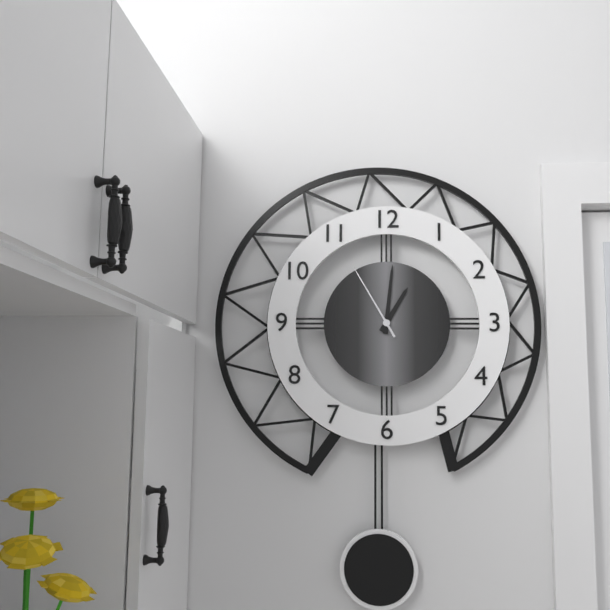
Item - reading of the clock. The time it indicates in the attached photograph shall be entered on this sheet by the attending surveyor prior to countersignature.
1:01:55
